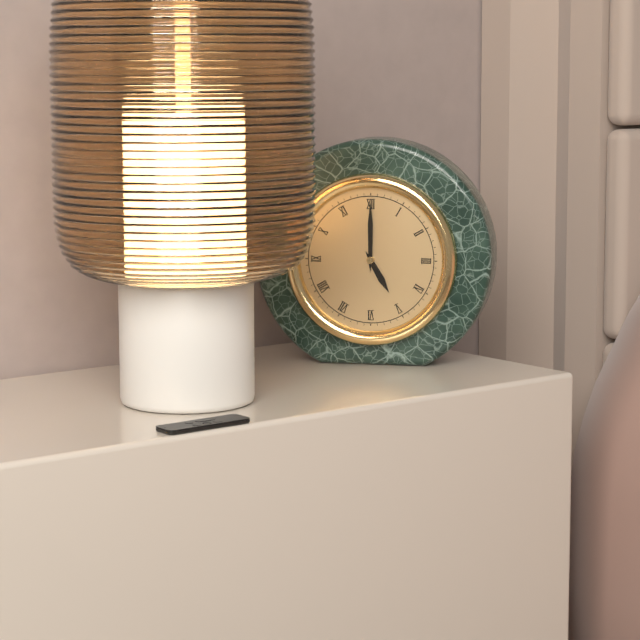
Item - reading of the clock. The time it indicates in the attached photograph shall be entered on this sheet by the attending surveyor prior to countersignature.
5:00
